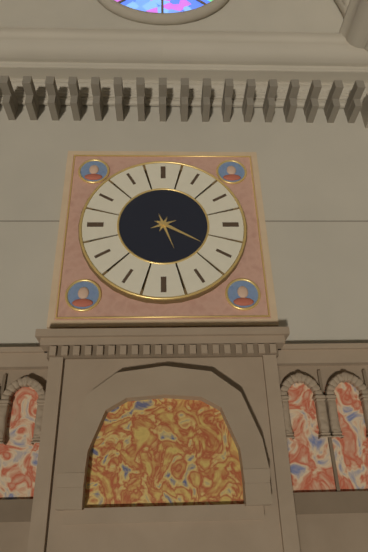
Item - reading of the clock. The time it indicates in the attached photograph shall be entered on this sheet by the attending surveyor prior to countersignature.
5:20
